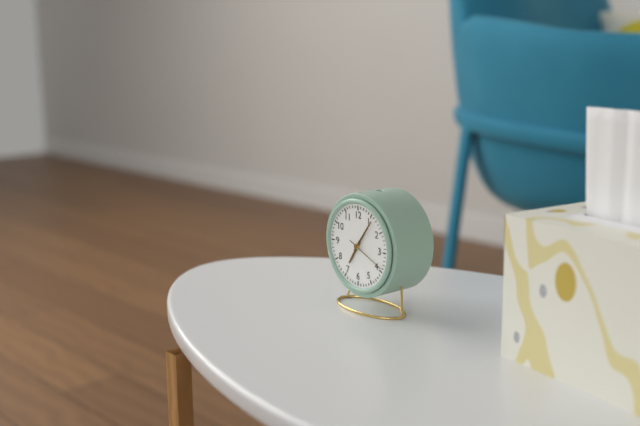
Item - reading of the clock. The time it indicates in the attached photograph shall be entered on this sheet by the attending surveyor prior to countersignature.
7:06
